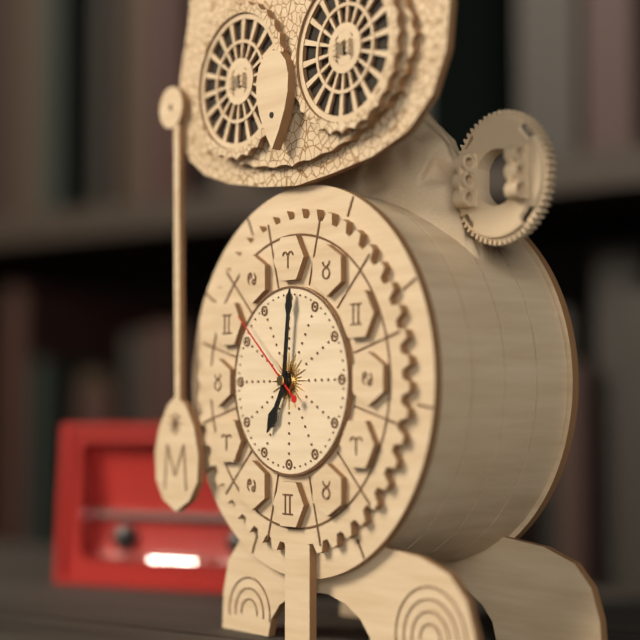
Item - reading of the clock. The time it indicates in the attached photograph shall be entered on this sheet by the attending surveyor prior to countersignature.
7:01:52
